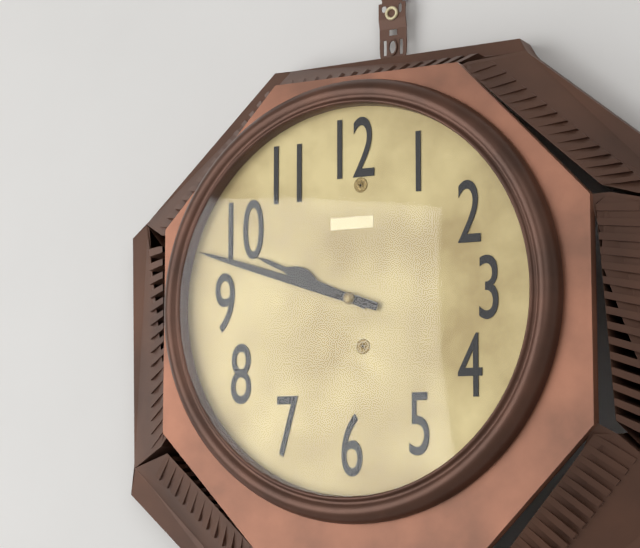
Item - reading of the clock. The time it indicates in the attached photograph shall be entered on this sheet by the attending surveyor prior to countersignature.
9:48
